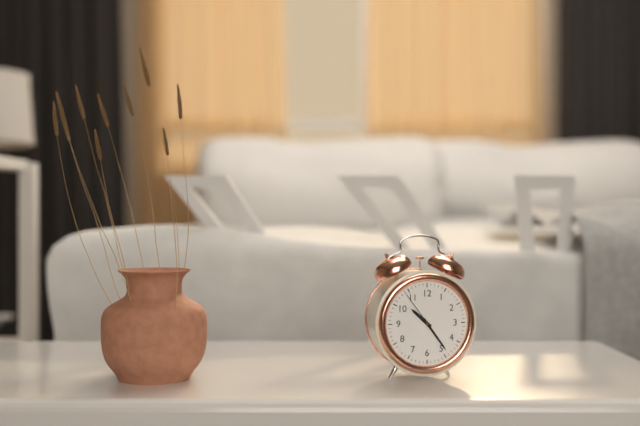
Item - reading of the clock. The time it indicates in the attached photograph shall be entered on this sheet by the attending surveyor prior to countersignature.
10:24
